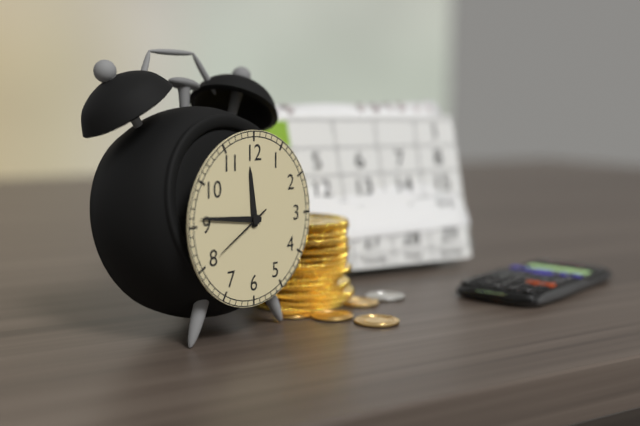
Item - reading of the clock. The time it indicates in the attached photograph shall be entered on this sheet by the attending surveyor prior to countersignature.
11:46:40
